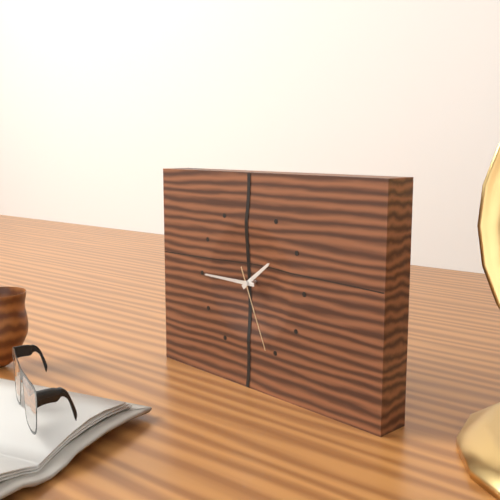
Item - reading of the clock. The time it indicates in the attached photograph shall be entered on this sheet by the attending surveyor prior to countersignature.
1:45:26
